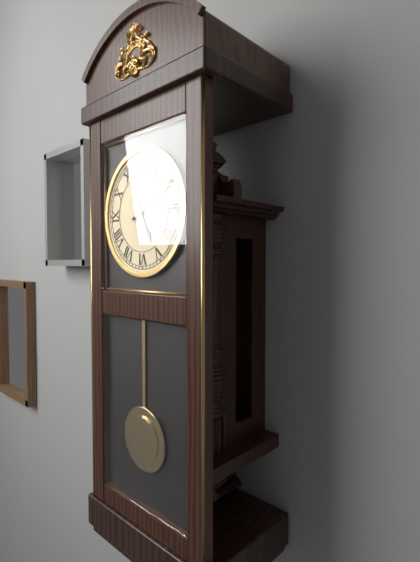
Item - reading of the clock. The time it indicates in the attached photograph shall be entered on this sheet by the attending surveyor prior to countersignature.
5:11
